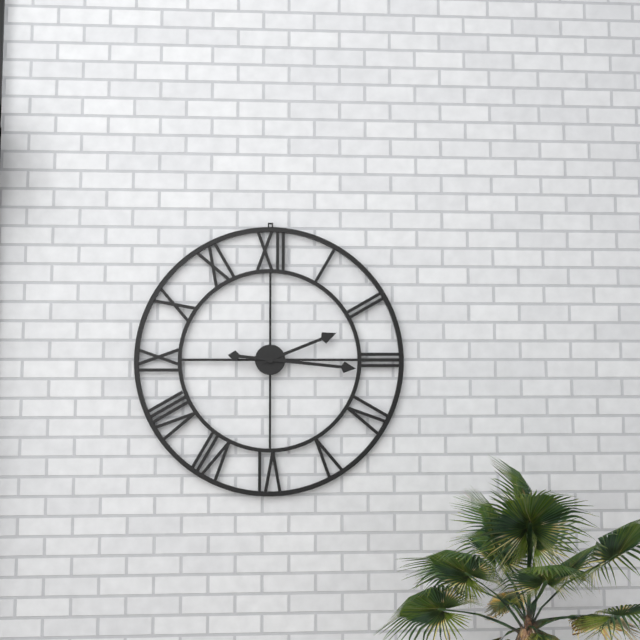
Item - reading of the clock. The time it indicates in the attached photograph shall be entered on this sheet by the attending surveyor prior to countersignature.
2:16
